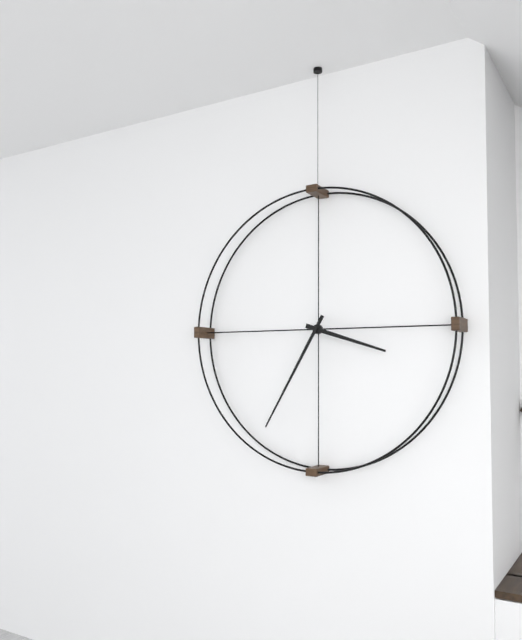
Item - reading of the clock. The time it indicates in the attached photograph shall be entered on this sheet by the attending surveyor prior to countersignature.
3:35
